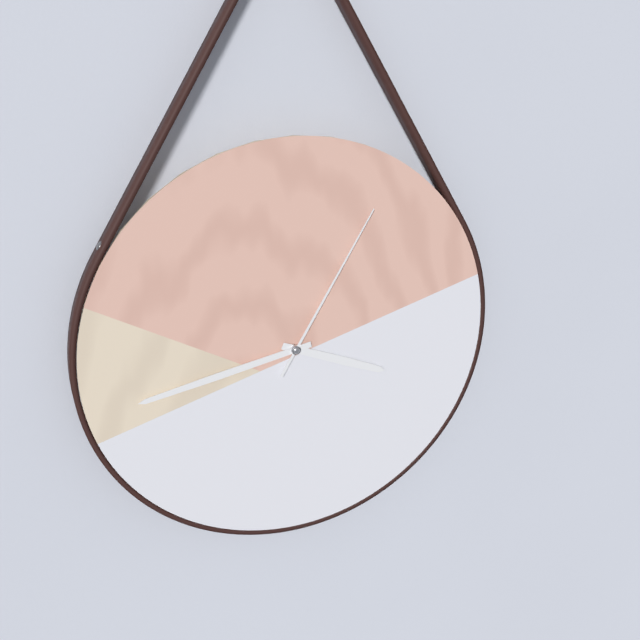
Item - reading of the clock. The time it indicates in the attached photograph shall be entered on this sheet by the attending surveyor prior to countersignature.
3:43:05
